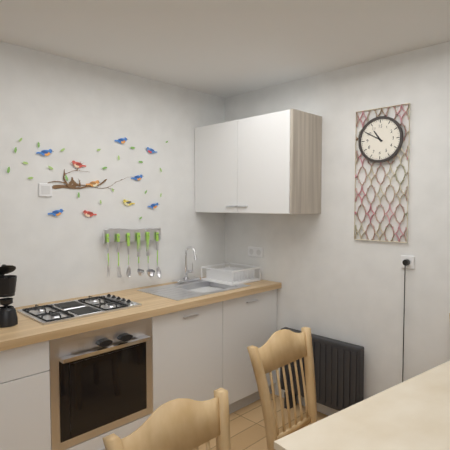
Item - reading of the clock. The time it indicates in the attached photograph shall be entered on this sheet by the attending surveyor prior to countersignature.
10:50
